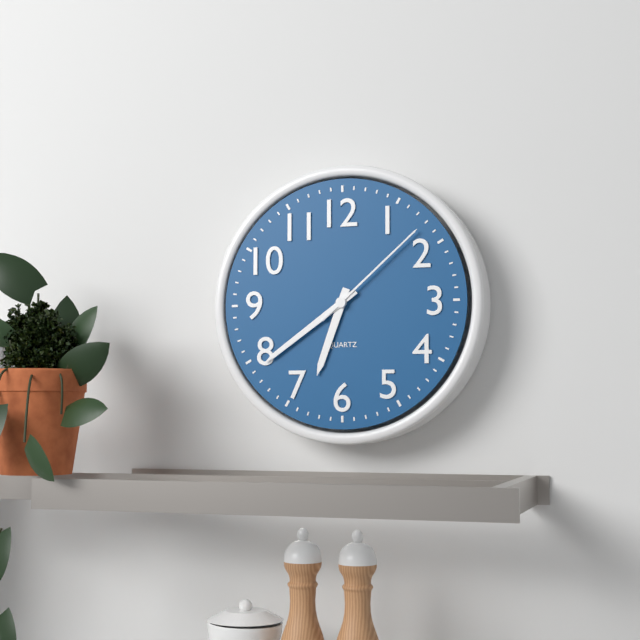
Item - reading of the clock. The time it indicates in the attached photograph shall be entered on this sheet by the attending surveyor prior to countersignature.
6:39:08
